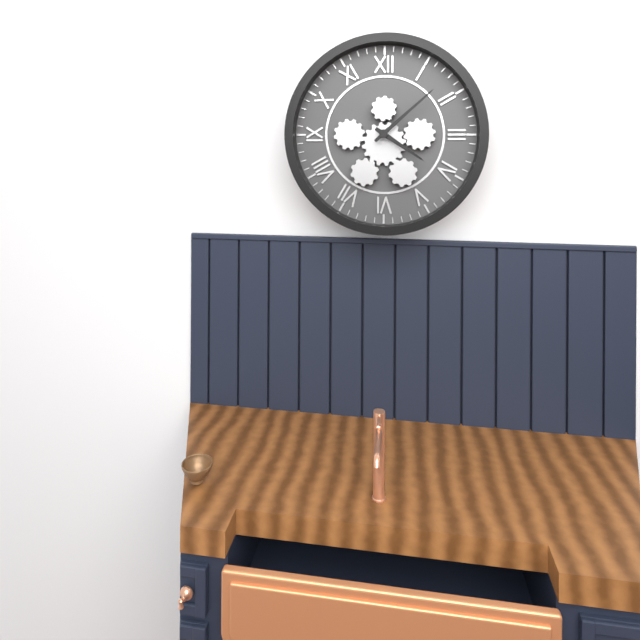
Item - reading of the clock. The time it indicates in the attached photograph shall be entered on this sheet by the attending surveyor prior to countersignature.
4:08
